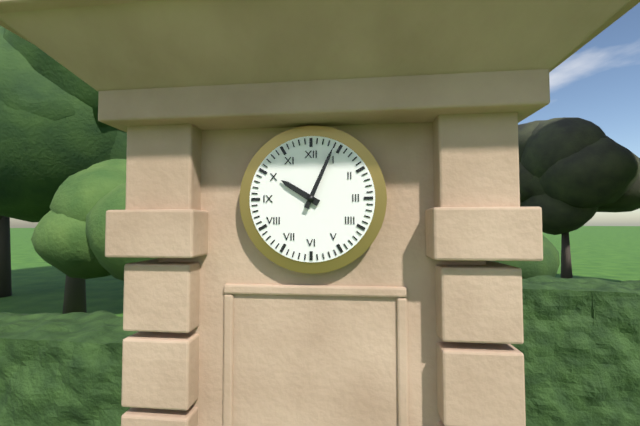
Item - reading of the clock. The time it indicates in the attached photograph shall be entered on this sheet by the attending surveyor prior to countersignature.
10:04
